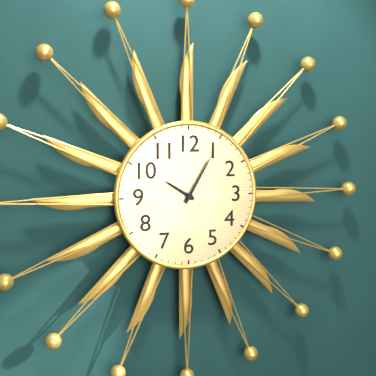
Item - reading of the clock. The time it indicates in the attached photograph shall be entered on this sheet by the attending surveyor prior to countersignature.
10:05
